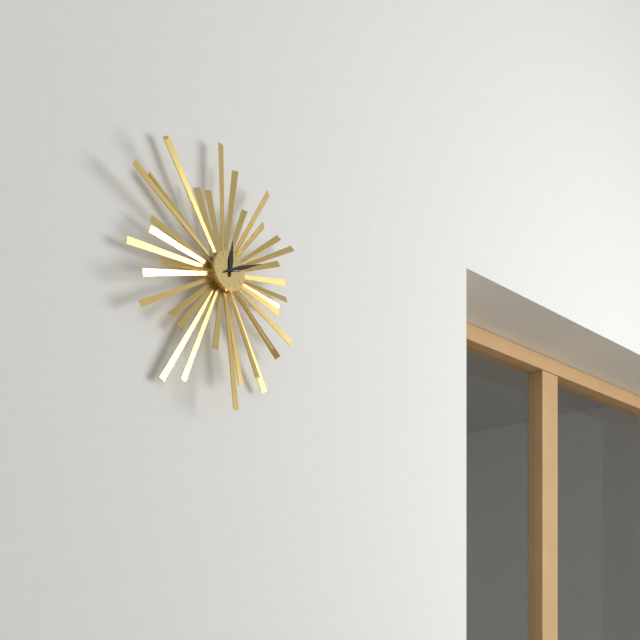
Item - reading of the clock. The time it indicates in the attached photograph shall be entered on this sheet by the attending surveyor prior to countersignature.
12:11
